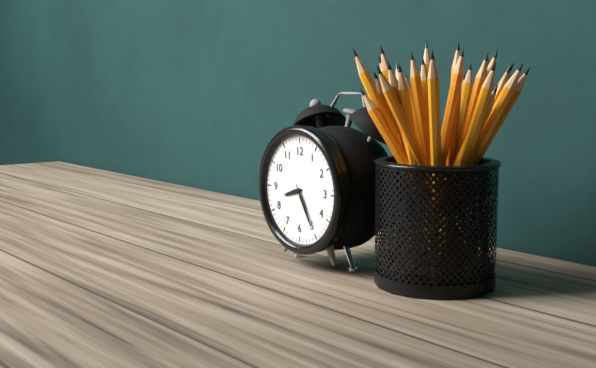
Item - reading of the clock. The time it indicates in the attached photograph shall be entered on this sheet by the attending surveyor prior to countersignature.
8:25
